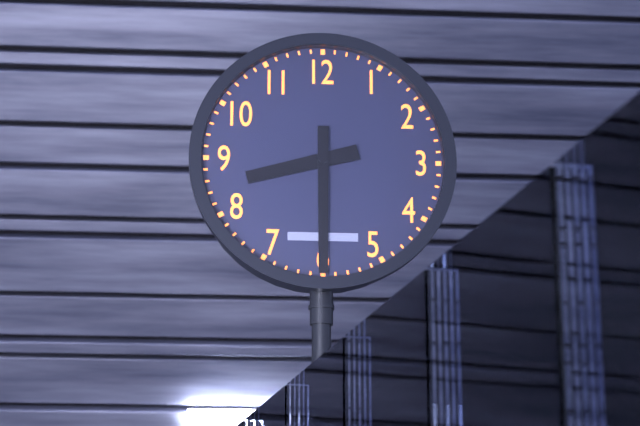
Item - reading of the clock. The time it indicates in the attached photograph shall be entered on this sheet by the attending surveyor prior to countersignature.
8:30
